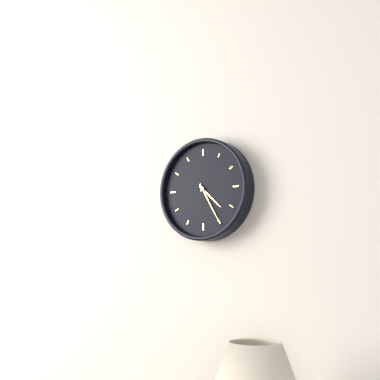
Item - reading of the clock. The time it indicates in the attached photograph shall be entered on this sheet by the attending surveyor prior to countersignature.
4:25
